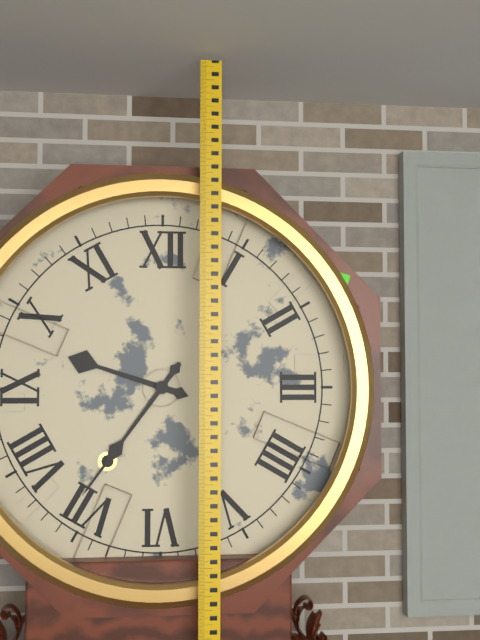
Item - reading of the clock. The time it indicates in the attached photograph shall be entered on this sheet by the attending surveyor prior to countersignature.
9:36
